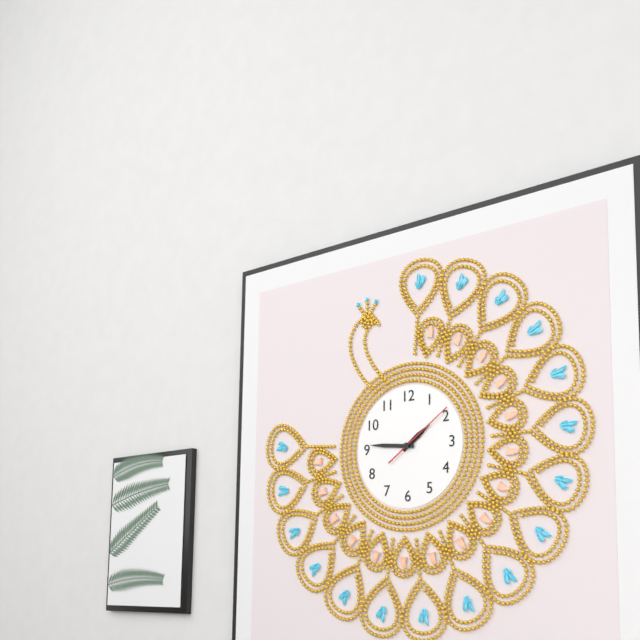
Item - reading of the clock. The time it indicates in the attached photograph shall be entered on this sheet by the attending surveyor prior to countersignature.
1:46:09
